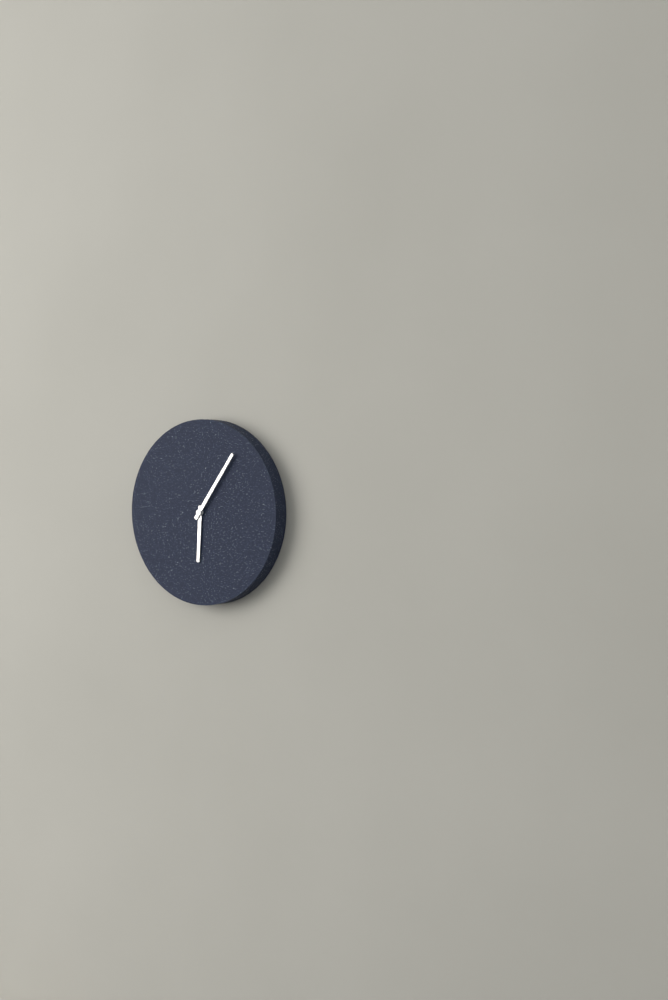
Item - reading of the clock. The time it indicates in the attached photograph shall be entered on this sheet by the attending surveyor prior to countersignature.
6:06
